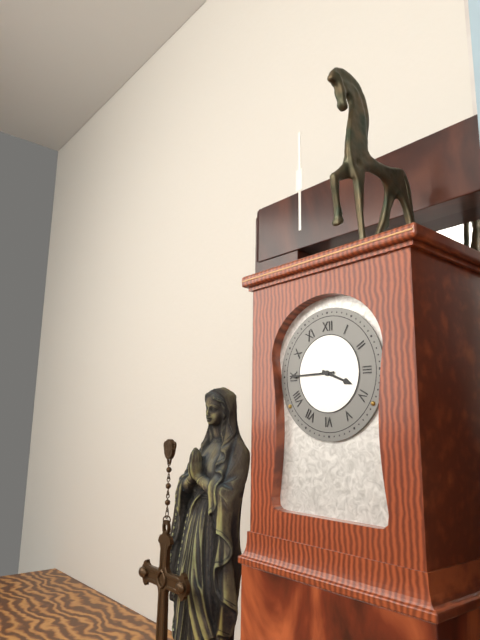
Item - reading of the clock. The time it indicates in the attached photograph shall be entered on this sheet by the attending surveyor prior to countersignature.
3:45
